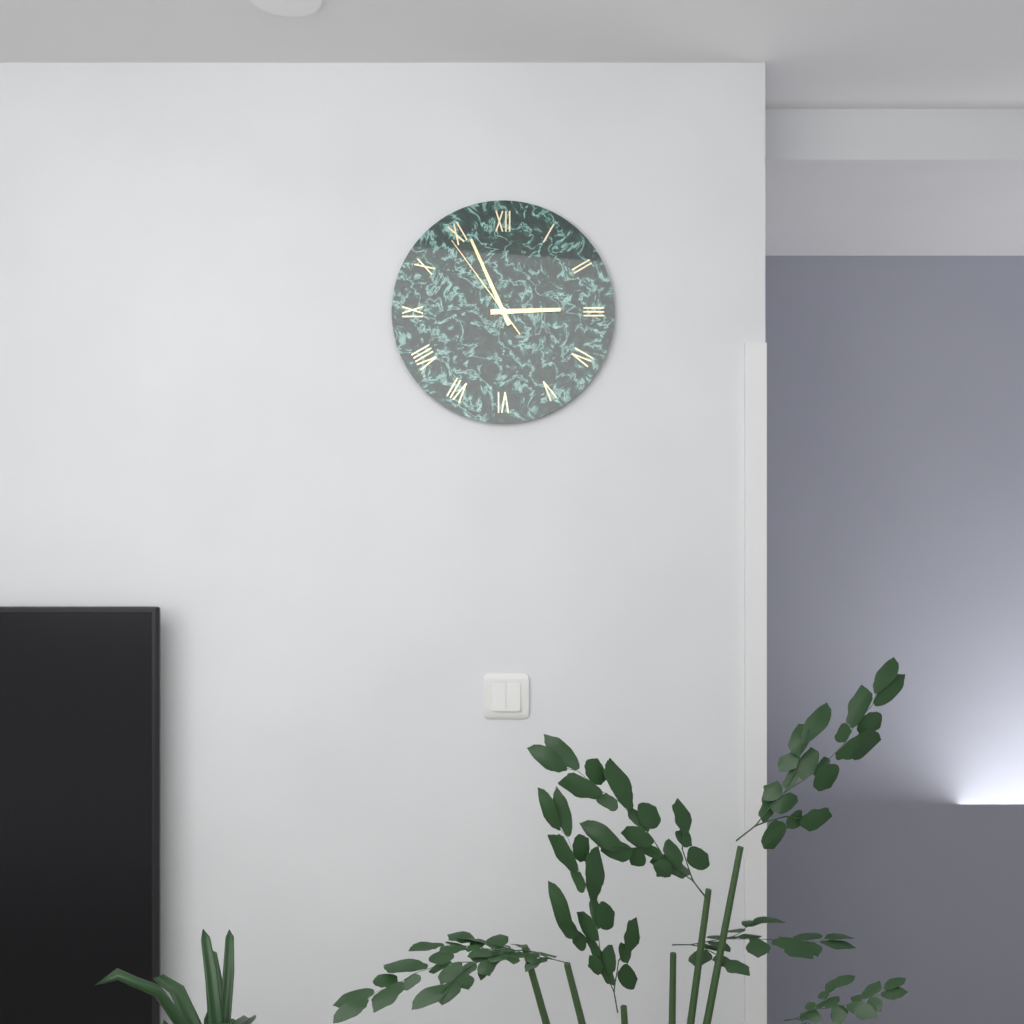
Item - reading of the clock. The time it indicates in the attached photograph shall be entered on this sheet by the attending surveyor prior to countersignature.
2:56:54
